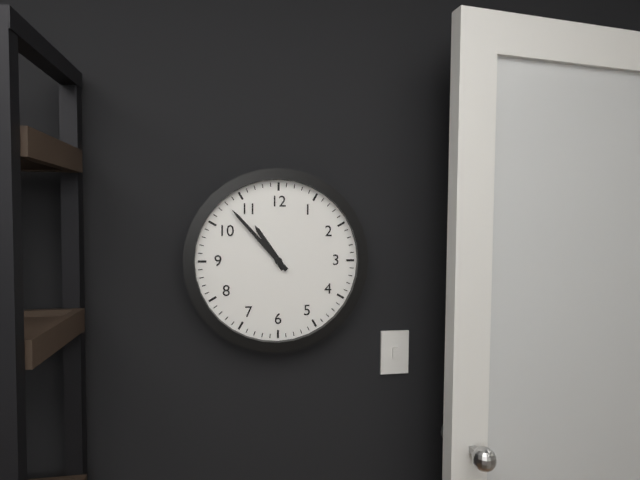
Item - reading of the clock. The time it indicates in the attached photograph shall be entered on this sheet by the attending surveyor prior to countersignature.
10:53
